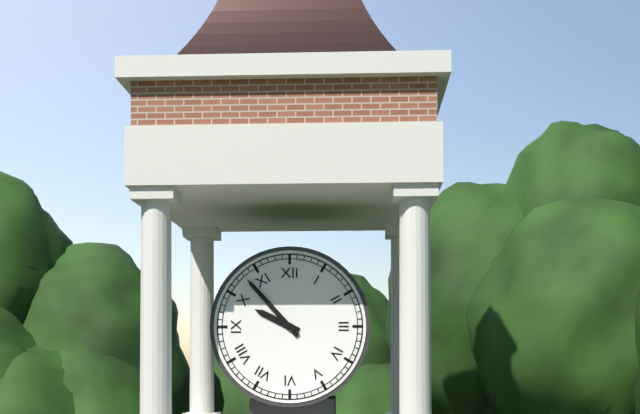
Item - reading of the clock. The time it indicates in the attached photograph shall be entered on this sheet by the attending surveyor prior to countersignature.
9:53
